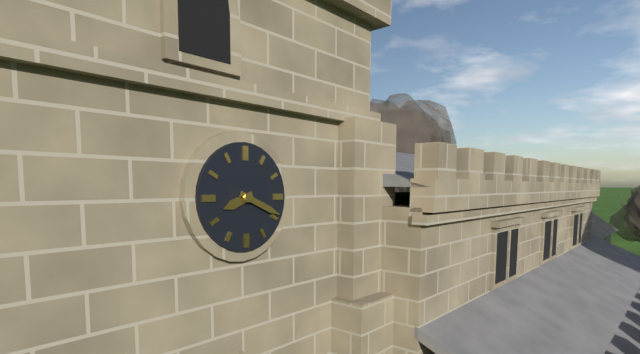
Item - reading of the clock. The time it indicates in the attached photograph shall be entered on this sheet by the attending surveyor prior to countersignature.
8:19
